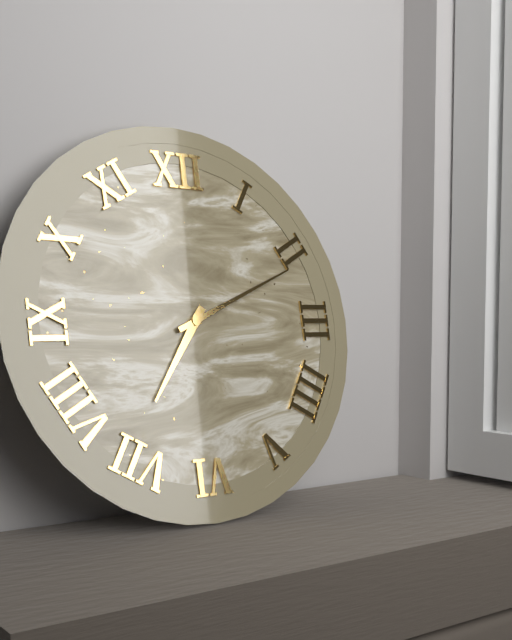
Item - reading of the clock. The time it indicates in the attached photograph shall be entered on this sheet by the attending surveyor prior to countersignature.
7:11
